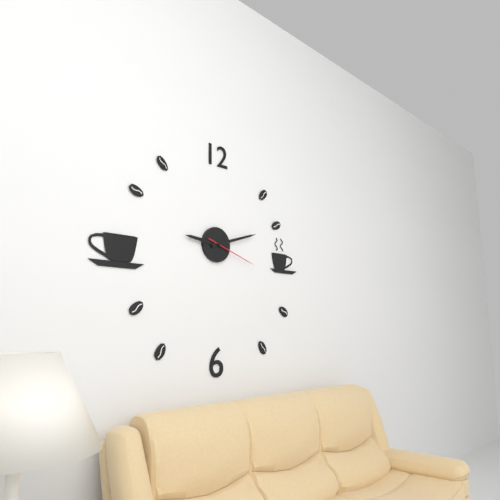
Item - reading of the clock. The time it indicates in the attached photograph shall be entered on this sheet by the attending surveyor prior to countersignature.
9:12:18
